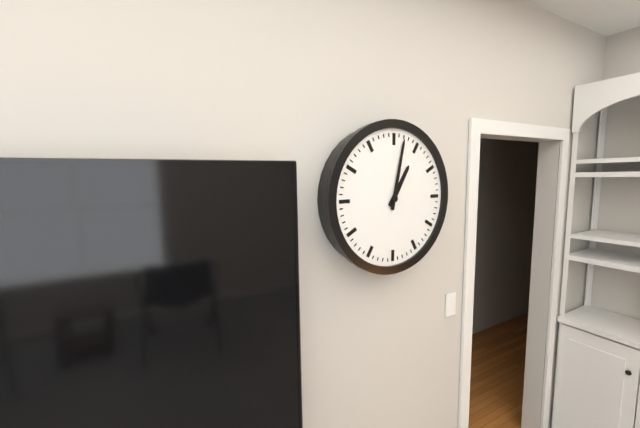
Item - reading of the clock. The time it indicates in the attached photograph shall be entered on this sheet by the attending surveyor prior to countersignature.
1:02
